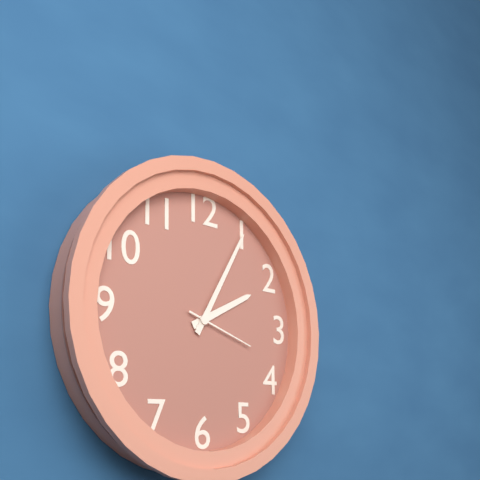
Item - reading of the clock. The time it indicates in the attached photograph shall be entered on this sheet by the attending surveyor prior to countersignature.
2:05:18
